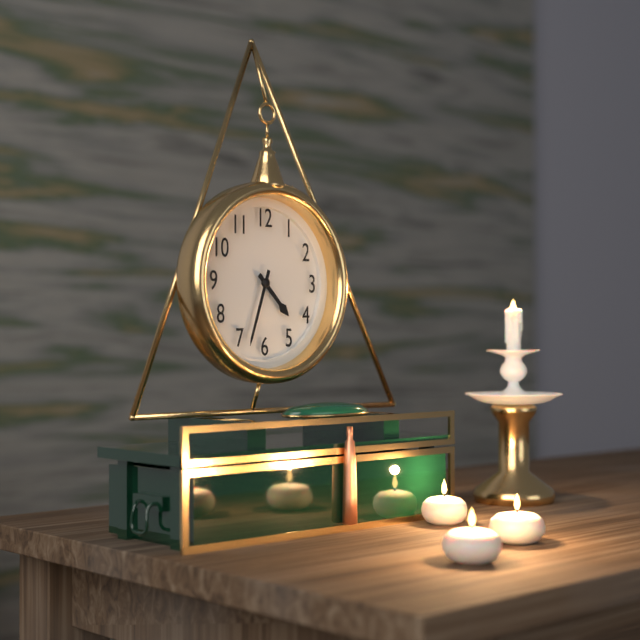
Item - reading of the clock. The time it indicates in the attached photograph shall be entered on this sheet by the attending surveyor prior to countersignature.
4:33
